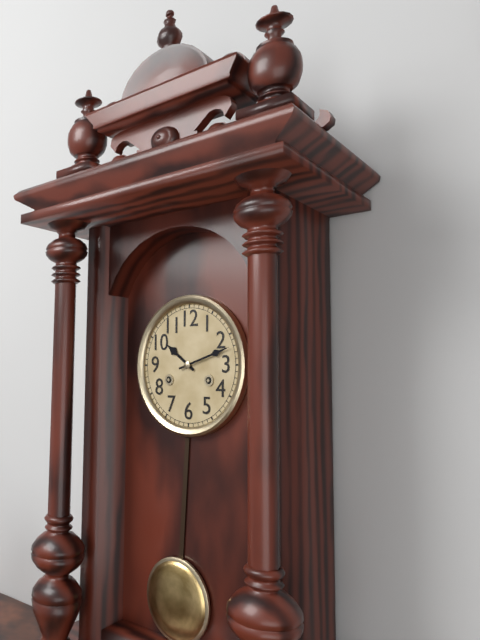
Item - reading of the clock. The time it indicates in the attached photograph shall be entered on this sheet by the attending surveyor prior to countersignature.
10:12
